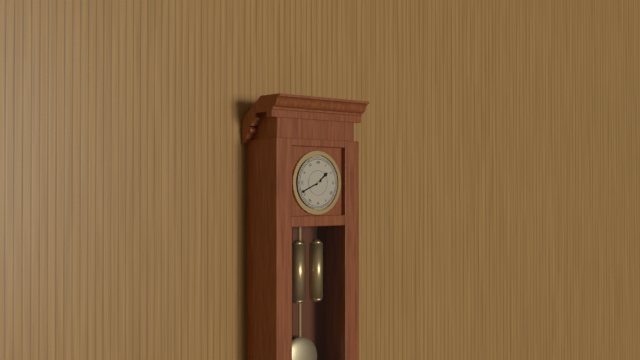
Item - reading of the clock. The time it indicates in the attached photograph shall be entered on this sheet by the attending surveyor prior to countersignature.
1:41
